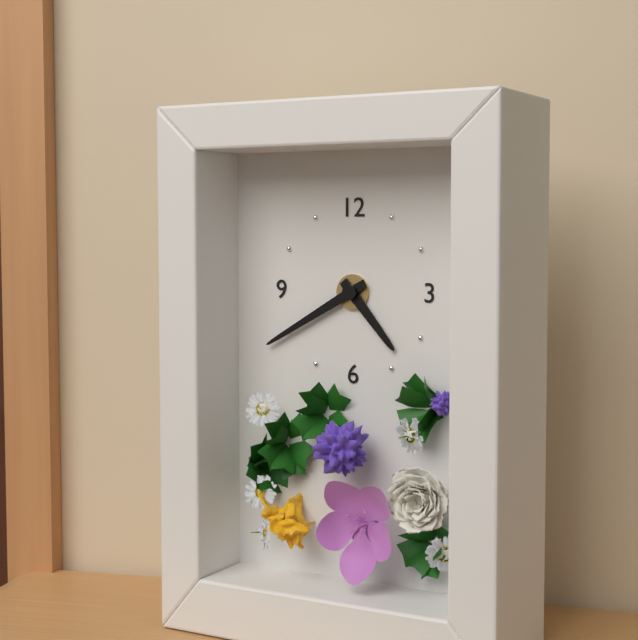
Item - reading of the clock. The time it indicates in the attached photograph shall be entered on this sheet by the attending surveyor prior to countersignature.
4:40
